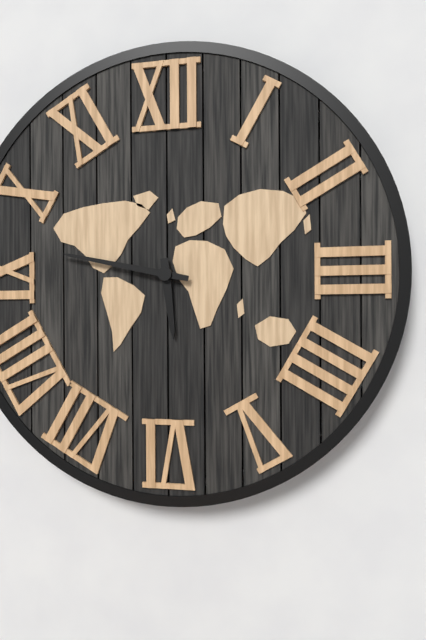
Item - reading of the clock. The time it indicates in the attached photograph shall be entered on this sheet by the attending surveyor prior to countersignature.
5:47
